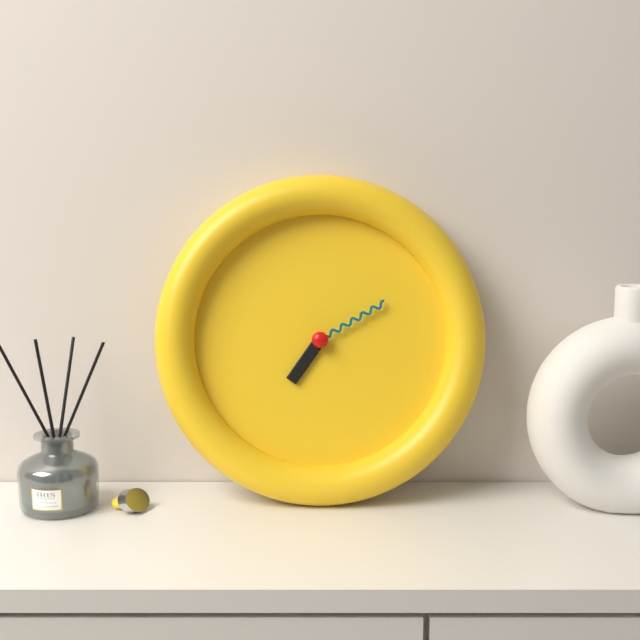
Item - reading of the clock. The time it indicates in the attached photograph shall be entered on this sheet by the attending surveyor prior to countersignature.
7:10
